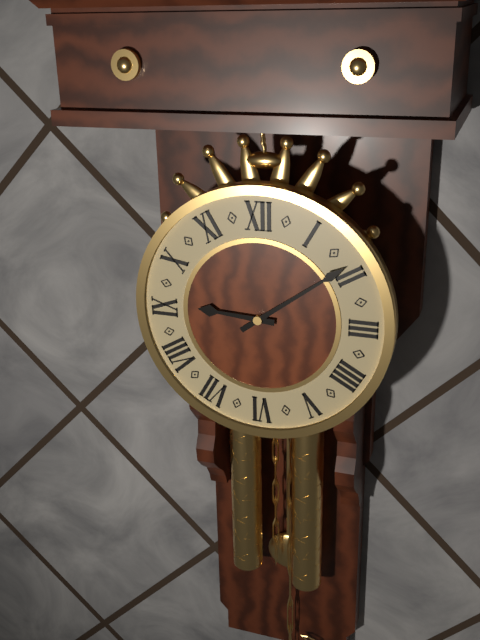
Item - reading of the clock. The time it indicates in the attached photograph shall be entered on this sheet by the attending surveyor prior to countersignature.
9:09
